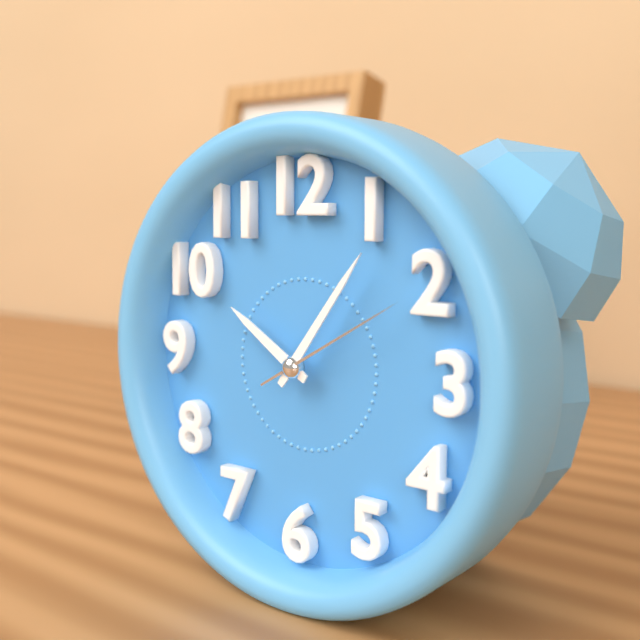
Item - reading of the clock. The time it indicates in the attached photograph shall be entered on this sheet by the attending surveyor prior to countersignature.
10:06:10
